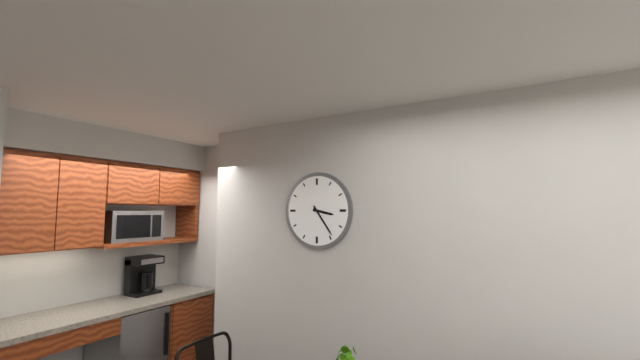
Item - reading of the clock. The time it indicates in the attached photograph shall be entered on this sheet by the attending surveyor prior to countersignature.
3:24
